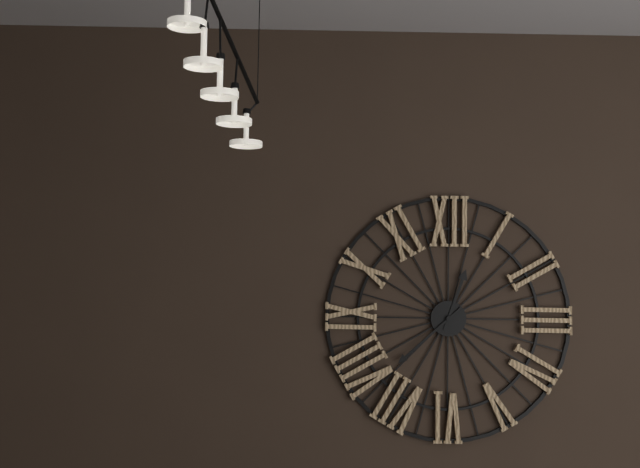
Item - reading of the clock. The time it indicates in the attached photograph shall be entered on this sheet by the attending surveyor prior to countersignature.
12:38
